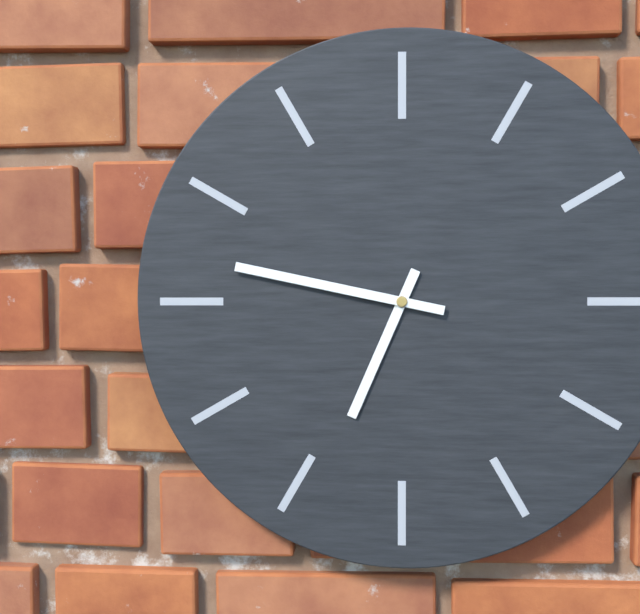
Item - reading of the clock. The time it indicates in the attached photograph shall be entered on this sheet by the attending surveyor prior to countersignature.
6:47
